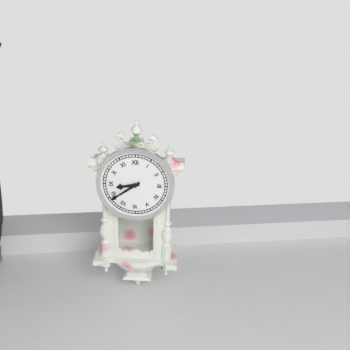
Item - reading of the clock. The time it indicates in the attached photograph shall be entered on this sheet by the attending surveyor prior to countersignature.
8:39
